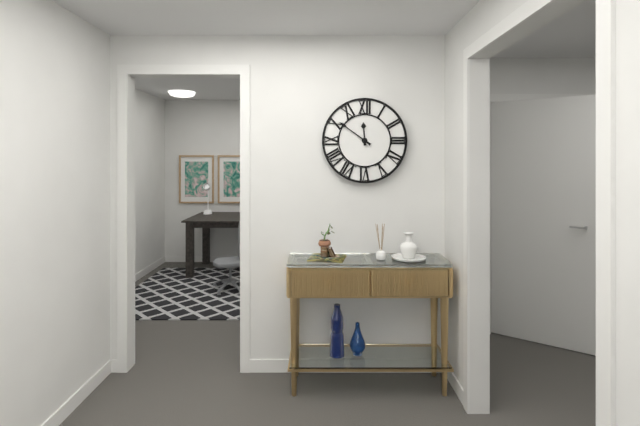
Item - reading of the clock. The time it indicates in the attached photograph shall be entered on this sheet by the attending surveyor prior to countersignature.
11:51
